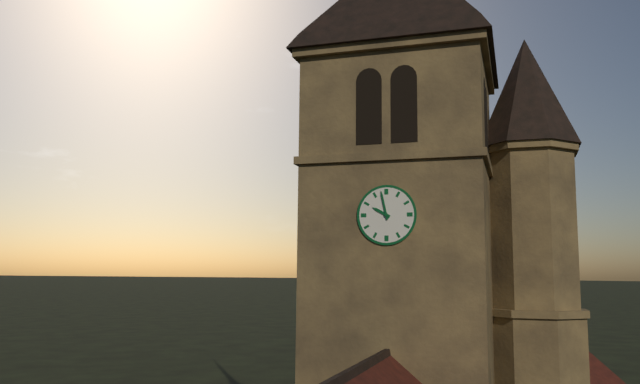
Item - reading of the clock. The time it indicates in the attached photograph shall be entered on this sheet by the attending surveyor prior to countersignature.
9:58
